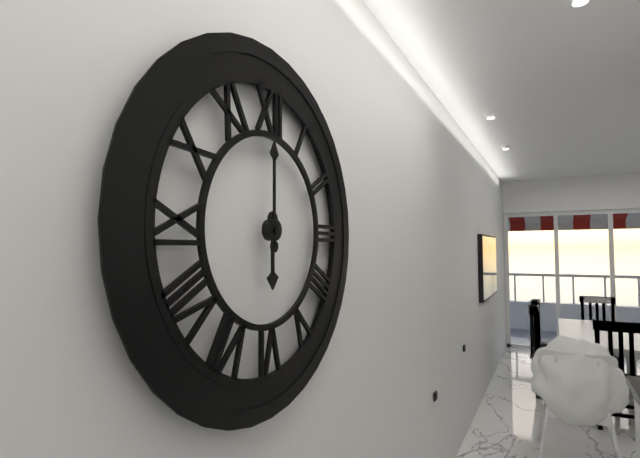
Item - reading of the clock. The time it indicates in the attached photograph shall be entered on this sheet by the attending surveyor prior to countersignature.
6:00
